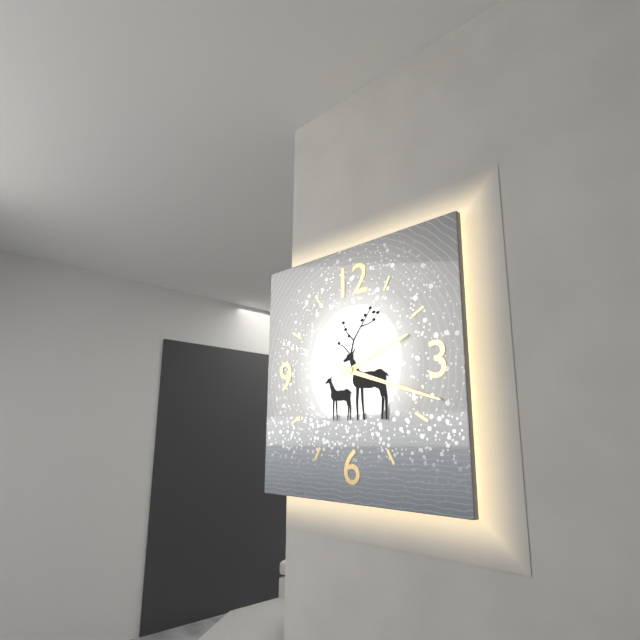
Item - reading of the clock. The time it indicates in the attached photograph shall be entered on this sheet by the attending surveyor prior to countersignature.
2:18
